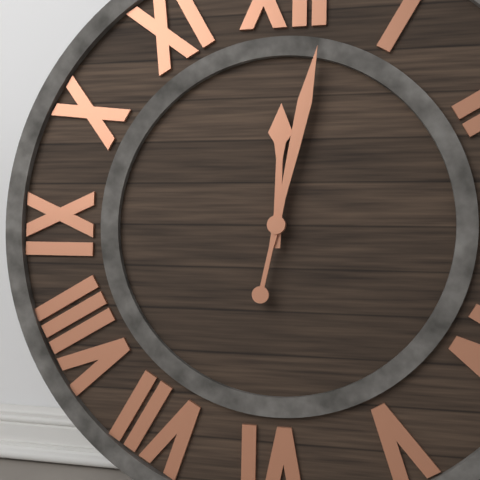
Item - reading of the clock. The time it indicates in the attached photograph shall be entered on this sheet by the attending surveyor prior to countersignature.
12:02
